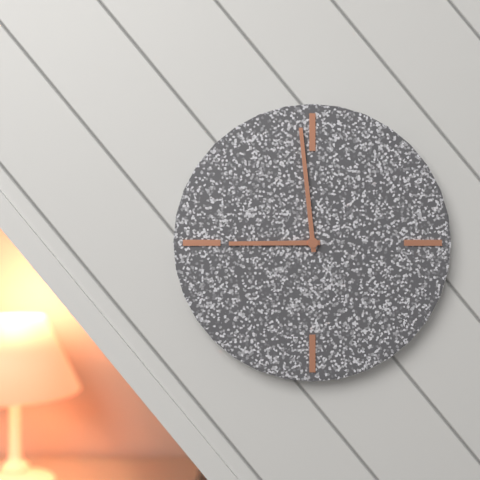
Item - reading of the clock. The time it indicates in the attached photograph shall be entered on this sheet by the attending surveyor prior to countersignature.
8:59
